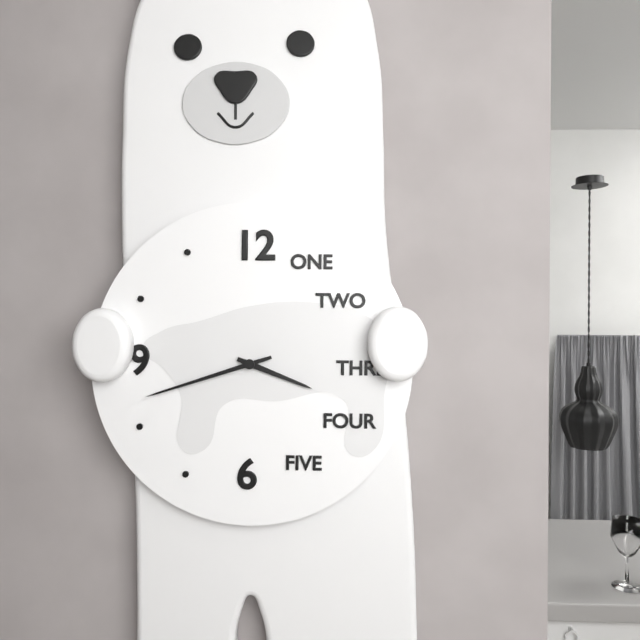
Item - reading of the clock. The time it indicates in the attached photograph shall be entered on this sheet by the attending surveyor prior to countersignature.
3:42
